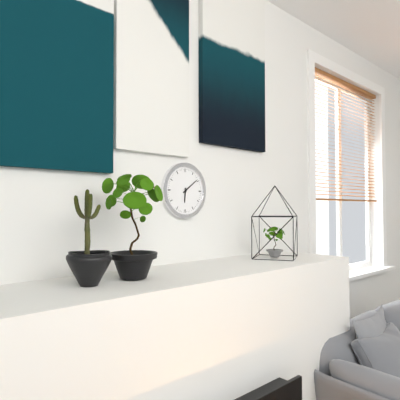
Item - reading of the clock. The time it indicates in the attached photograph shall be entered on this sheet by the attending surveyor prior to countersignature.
6:09
